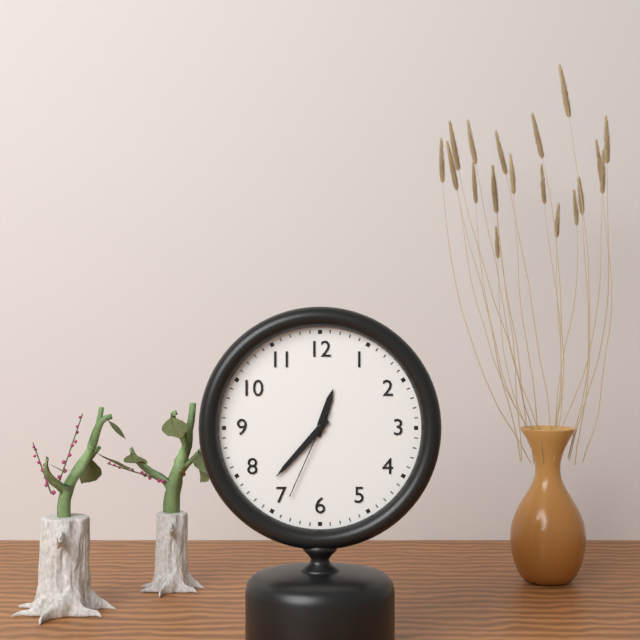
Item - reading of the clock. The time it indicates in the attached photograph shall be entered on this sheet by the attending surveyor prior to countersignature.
12:37:34
